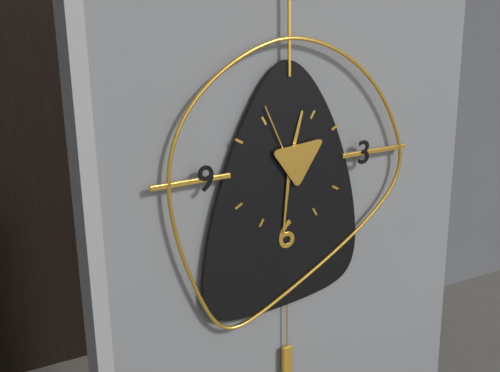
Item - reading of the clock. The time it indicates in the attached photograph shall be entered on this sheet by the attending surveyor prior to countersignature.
12:31:56
